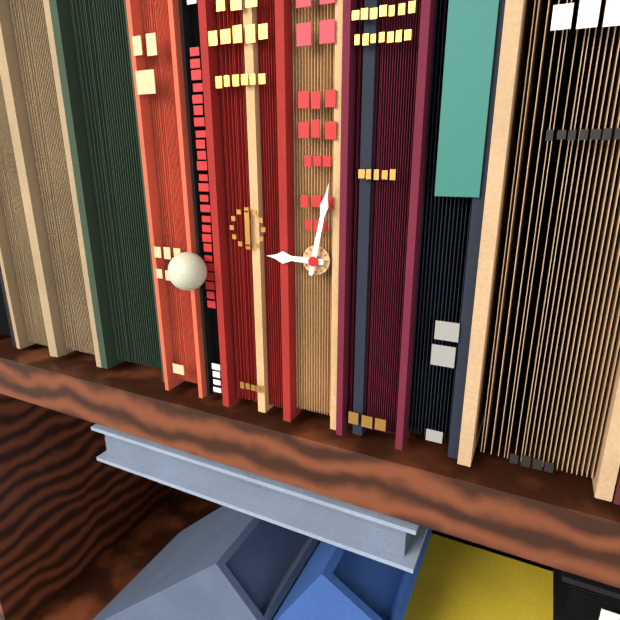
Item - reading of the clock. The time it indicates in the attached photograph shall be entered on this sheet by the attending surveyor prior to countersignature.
9:02
